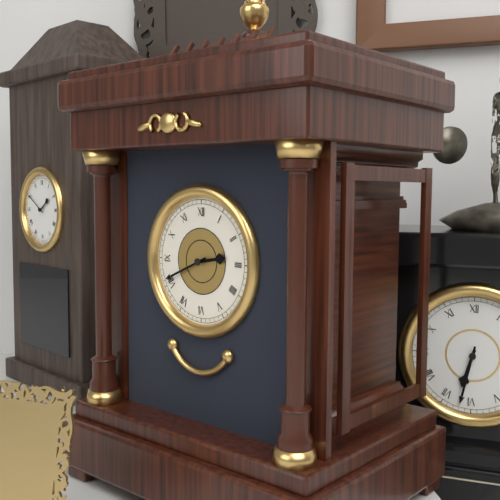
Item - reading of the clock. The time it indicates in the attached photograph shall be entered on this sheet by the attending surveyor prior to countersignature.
2:41
